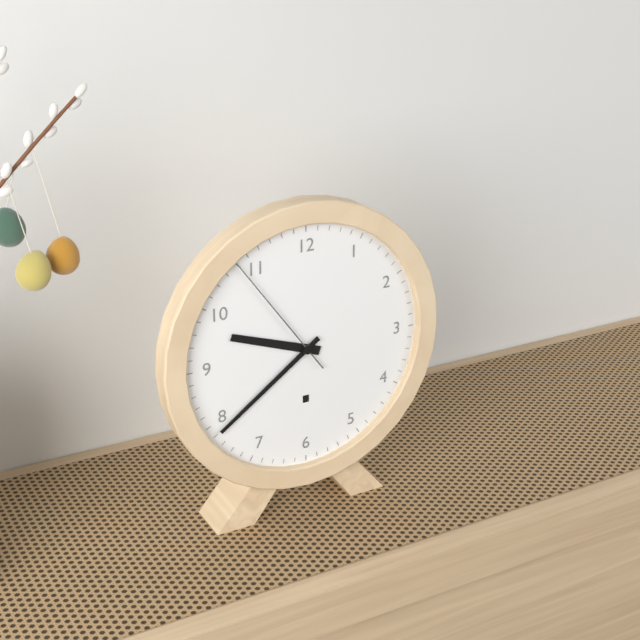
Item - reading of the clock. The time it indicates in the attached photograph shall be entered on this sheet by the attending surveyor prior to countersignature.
9:39:54
